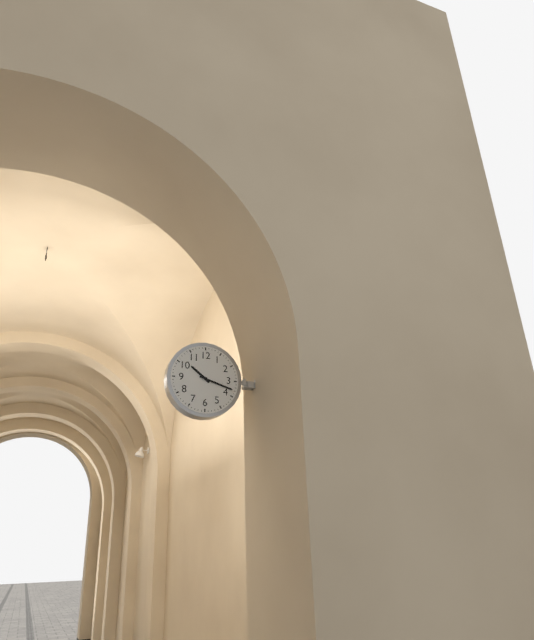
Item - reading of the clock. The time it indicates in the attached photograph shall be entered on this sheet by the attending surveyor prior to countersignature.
10:18
